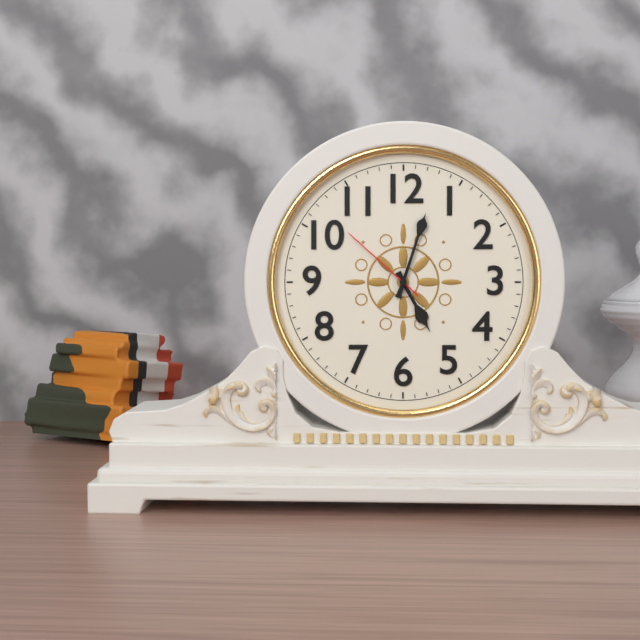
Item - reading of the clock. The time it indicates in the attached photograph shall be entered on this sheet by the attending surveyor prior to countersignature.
5:03:52
